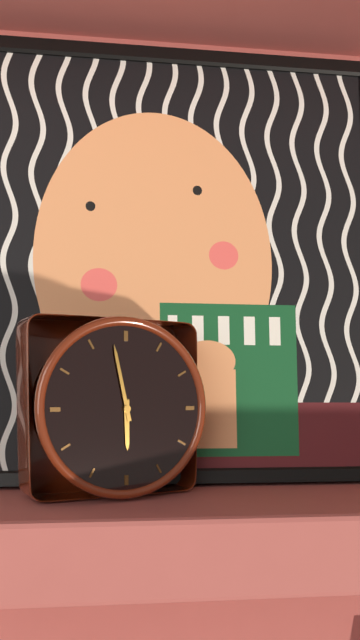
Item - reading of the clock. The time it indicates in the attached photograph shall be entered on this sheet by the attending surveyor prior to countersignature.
5:58
